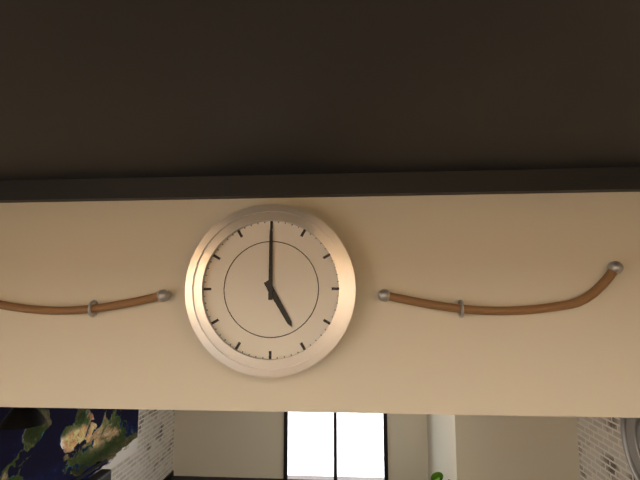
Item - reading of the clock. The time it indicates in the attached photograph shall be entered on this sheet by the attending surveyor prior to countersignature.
5:00
